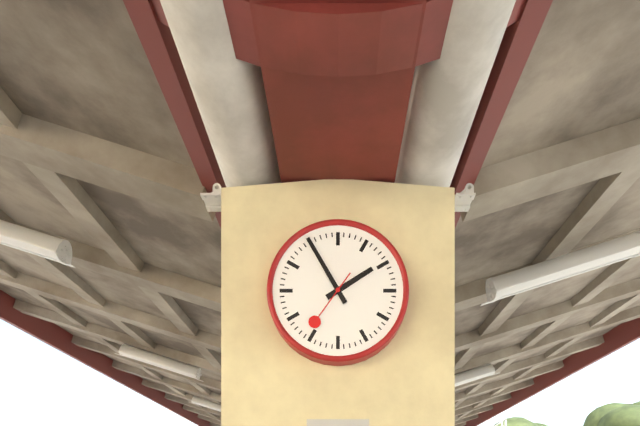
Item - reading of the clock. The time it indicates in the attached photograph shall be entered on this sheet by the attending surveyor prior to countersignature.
1:55:36
